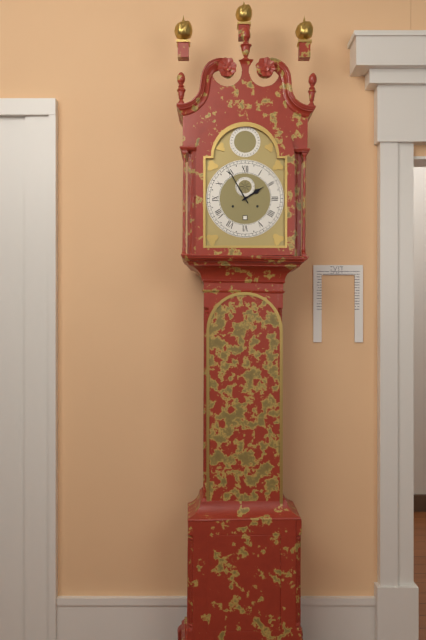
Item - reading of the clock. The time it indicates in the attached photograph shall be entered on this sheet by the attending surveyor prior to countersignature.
1:55
